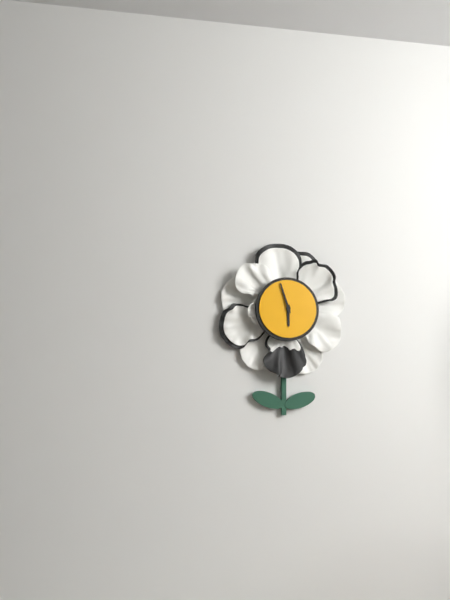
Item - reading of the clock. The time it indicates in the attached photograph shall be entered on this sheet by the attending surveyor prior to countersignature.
5:57
